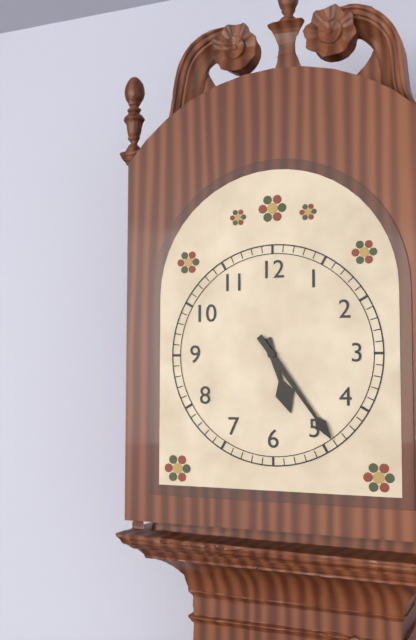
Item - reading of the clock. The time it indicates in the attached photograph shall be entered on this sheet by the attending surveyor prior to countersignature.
5:24
